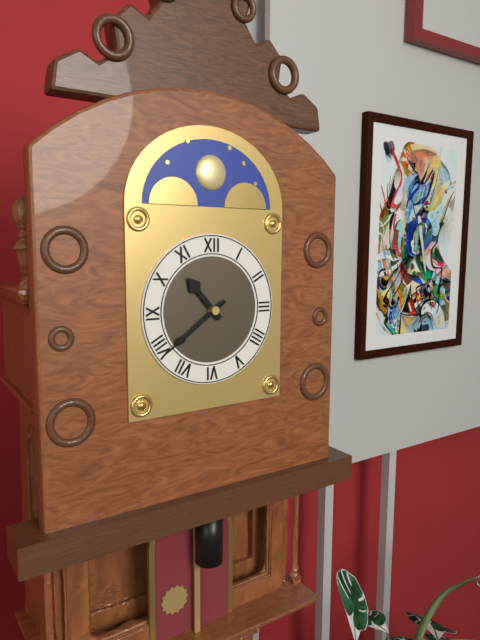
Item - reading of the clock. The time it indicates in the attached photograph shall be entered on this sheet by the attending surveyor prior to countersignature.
10:39
